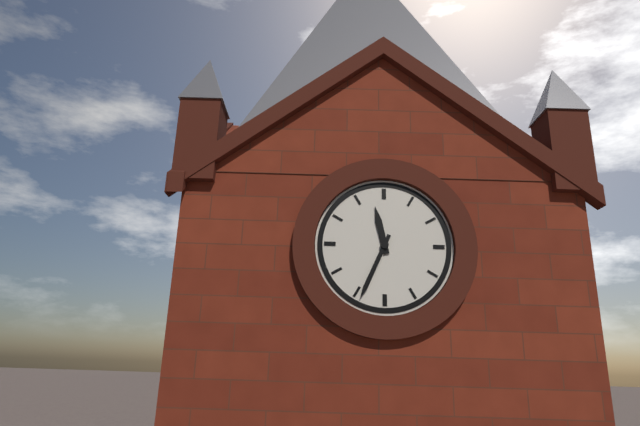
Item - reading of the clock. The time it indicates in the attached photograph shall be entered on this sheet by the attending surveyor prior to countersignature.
11:34
